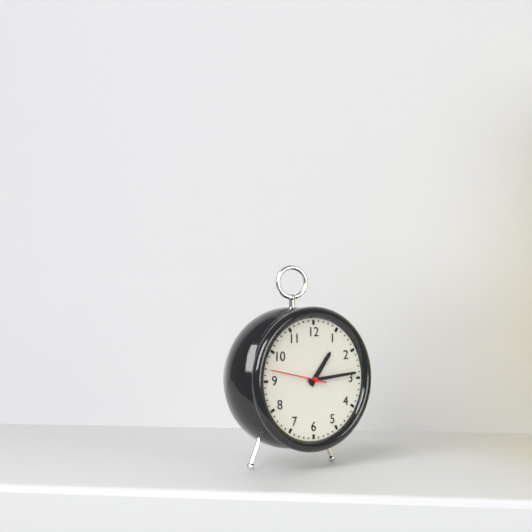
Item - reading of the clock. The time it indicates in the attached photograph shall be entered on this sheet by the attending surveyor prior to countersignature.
1:14:47
